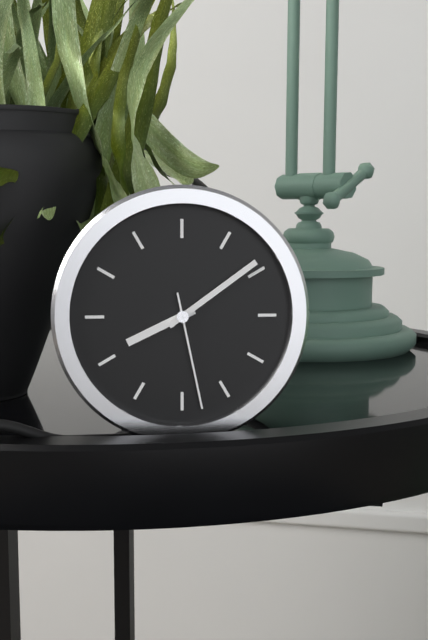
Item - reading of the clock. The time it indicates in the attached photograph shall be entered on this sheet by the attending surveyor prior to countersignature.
8:09:28
